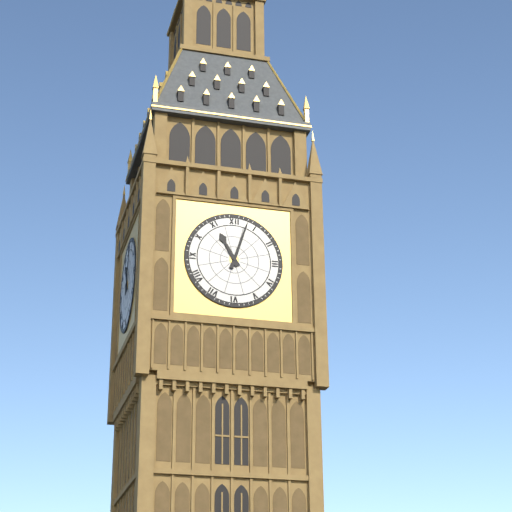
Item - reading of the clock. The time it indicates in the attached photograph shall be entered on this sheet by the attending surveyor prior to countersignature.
11:03
